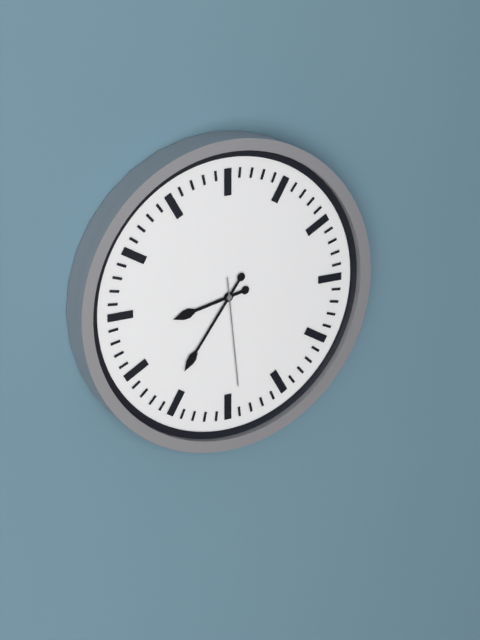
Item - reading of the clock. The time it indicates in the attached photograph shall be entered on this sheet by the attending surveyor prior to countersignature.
8:36:29
